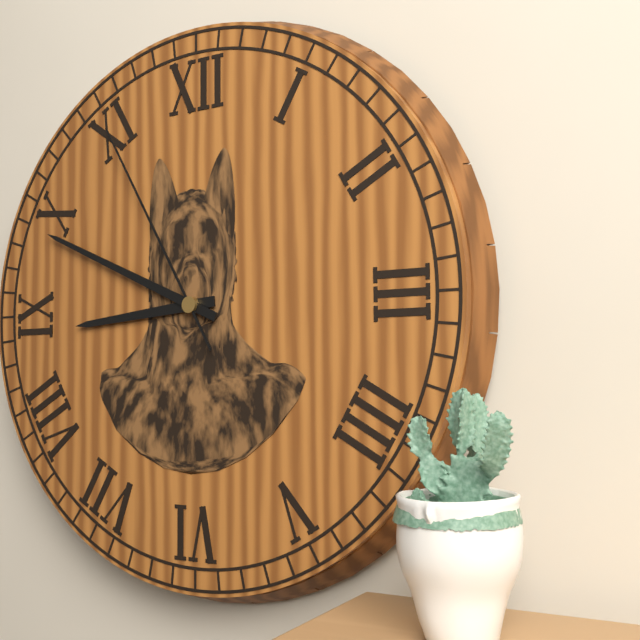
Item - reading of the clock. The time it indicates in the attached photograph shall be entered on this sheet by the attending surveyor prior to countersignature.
8:49:55
